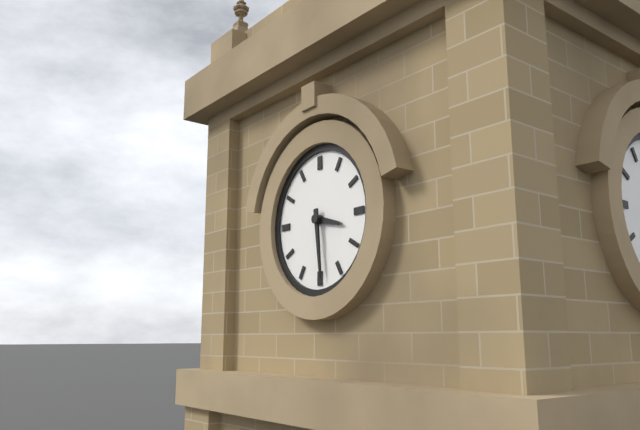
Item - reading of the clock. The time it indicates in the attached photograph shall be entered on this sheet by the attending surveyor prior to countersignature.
3:29
